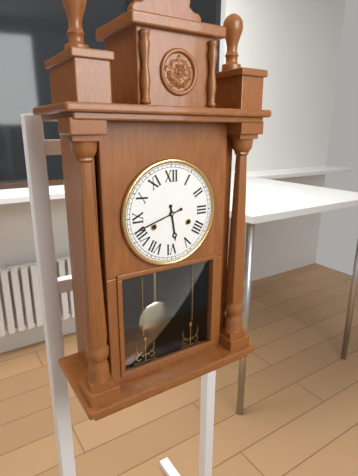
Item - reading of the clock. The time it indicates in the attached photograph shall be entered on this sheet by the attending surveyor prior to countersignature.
5:42
